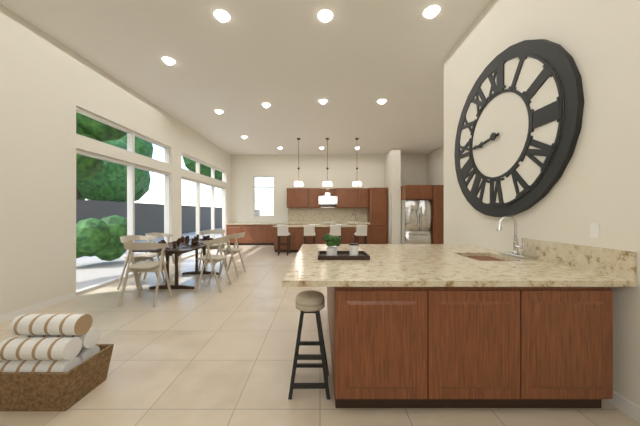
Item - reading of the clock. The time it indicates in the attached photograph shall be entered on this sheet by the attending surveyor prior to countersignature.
8:44
